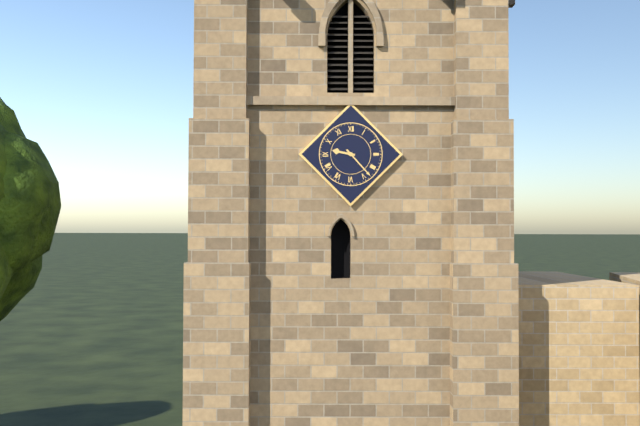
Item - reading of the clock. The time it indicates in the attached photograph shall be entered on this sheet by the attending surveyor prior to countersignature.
9:23
